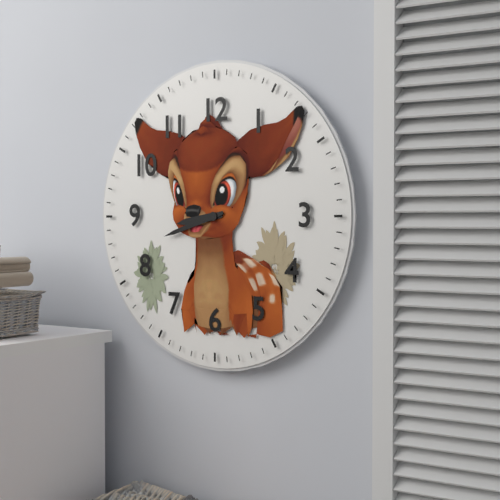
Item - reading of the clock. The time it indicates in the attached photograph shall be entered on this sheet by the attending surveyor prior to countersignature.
8:42
